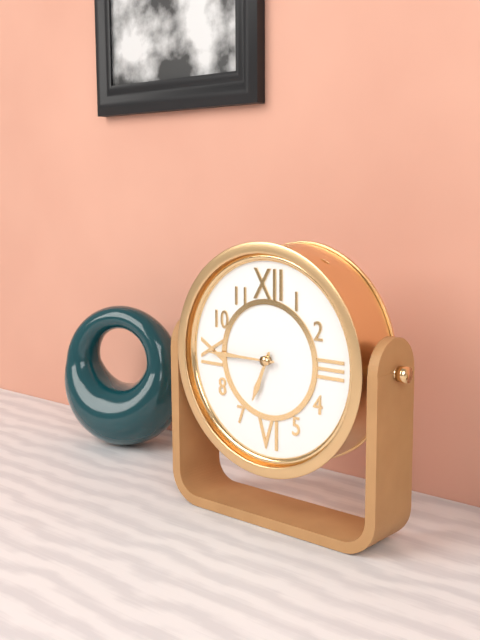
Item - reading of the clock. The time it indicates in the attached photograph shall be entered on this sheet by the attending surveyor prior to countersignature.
6:45
